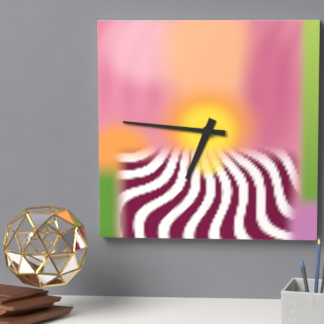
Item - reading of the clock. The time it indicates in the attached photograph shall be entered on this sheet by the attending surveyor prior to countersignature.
6:46
